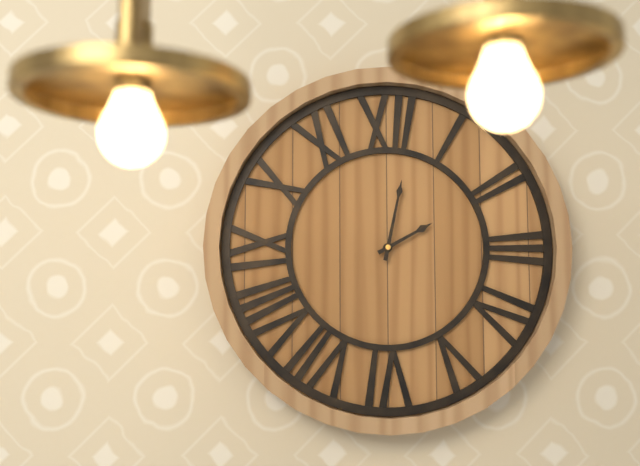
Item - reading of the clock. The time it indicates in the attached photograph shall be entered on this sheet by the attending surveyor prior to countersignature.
2:02
